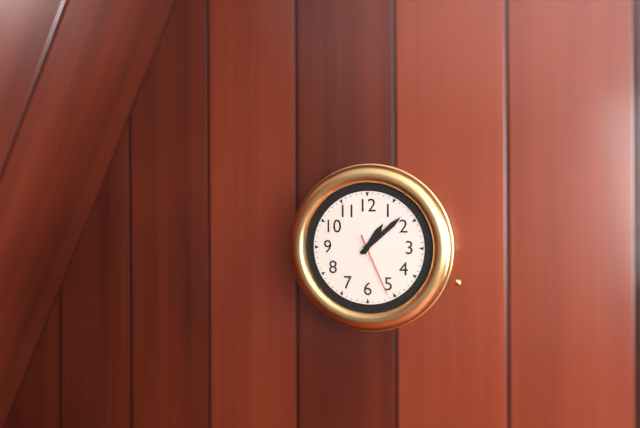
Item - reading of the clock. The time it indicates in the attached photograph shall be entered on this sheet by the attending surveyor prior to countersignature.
1:08:26
